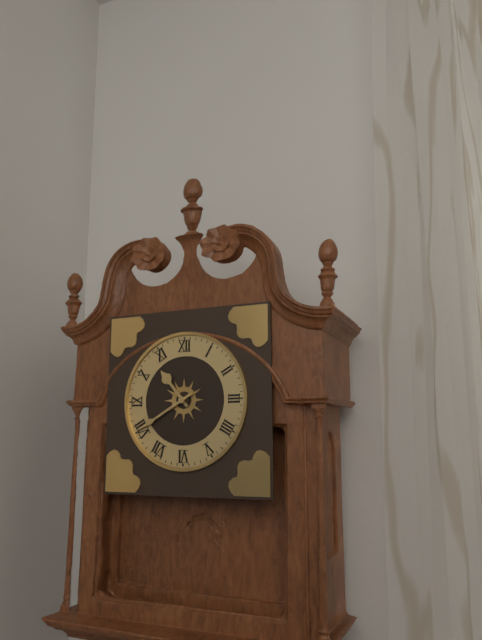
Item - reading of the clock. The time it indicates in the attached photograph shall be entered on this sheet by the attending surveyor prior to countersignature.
10:40
